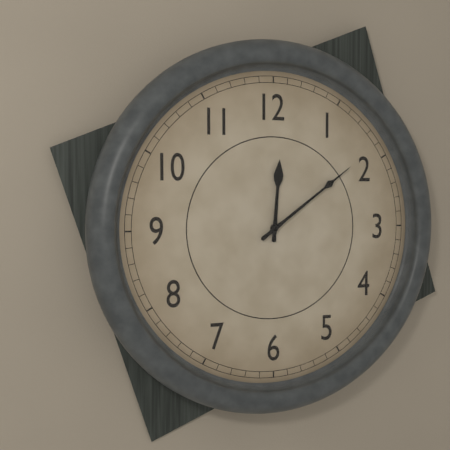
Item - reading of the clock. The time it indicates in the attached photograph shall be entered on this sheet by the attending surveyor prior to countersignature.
12:09
